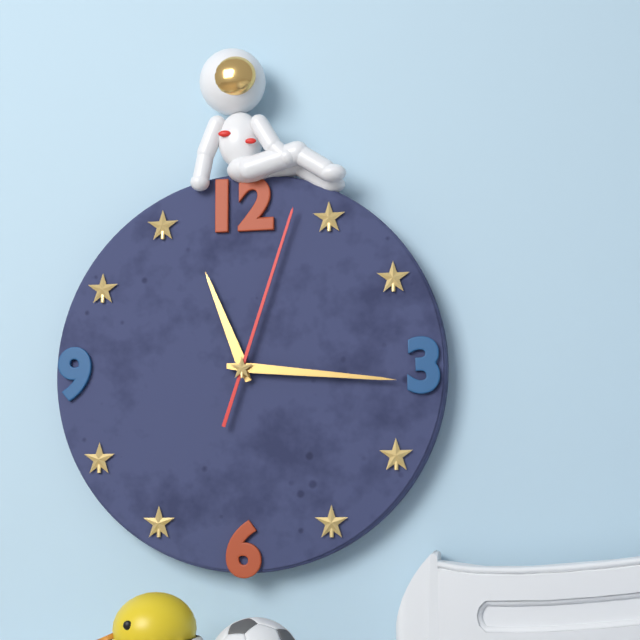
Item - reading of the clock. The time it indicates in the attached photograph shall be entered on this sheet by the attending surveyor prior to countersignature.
11:16:03
